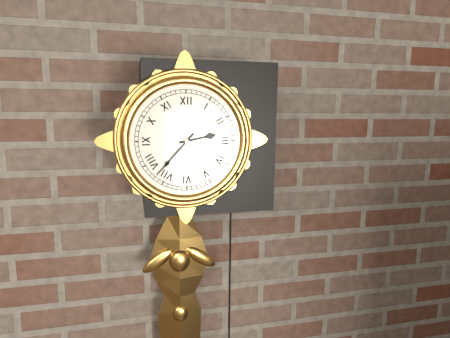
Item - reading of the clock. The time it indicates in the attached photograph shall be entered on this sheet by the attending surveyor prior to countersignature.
2:37
